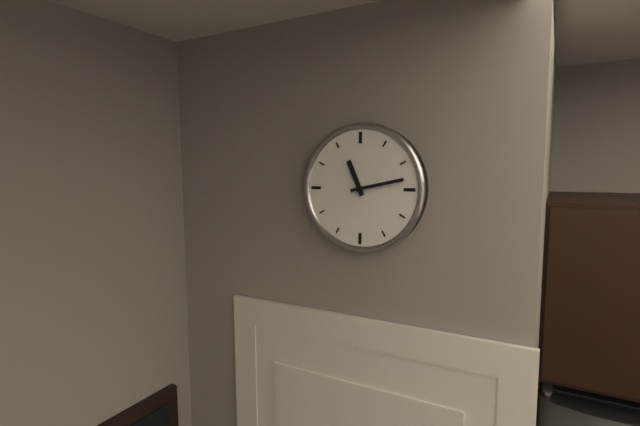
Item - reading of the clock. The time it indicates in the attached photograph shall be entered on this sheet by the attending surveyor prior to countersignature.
11:13
